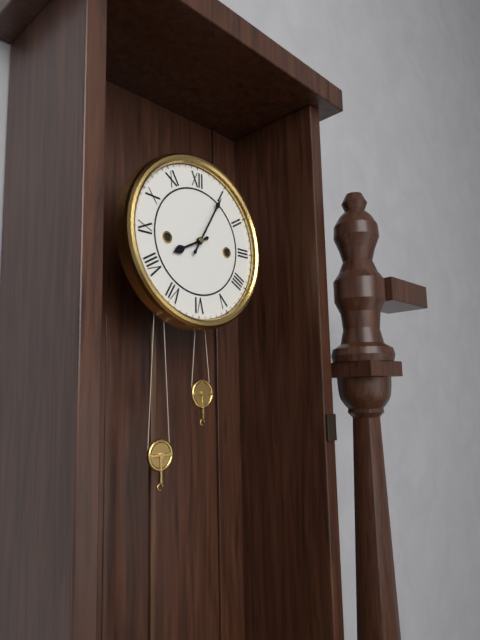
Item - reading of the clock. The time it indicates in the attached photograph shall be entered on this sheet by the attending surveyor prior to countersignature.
8:05
